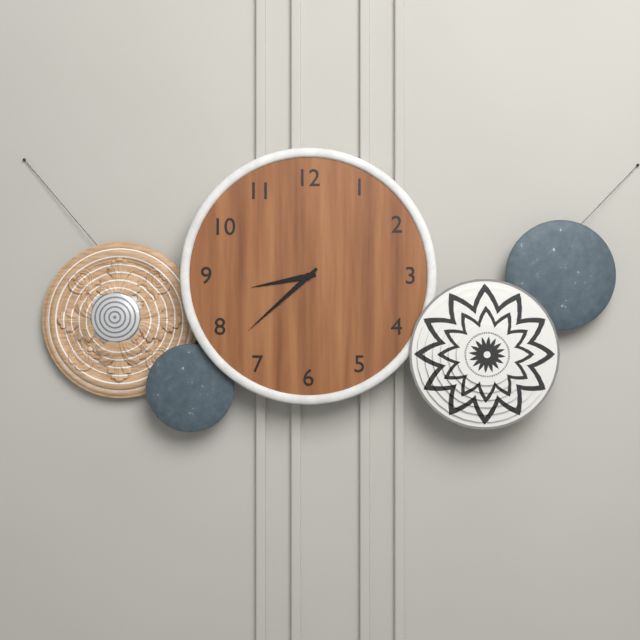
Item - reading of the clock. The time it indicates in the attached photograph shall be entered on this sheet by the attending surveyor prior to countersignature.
8:38
